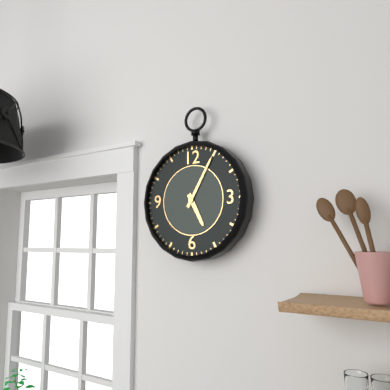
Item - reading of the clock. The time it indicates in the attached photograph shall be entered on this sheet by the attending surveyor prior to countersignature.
5:05
